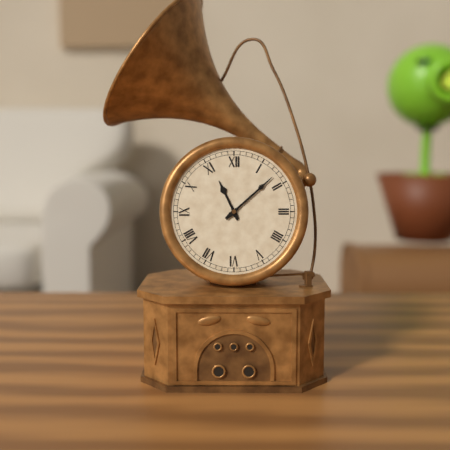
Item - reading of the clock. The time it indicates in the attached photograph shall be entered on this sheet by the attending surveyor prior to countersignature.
11:08
